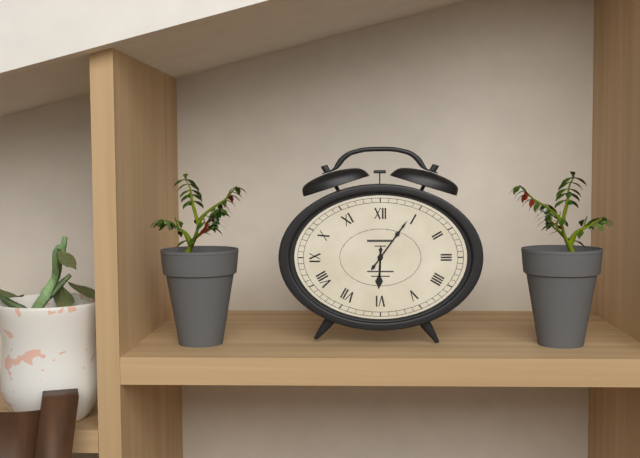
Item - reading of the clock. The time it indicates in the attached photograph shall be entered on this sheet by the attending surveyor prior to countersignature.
6:06
